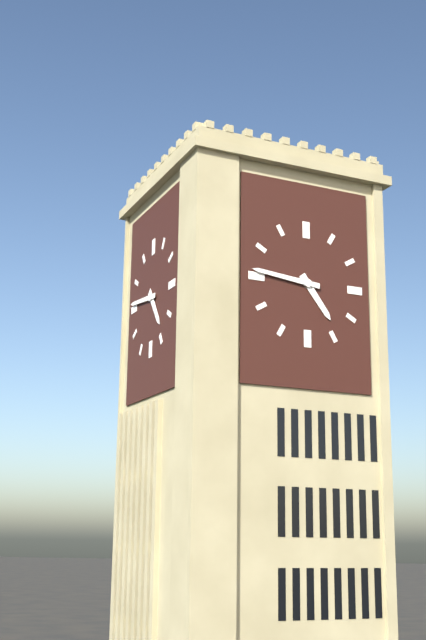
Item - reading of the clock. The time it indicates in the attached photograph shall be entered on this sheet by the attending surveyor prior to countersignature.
4:46
